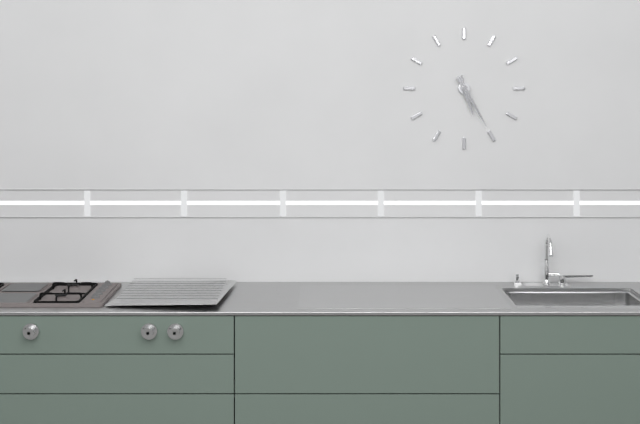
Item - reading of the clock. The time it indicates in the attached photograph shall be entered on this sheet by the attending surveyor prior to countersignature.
5:25
